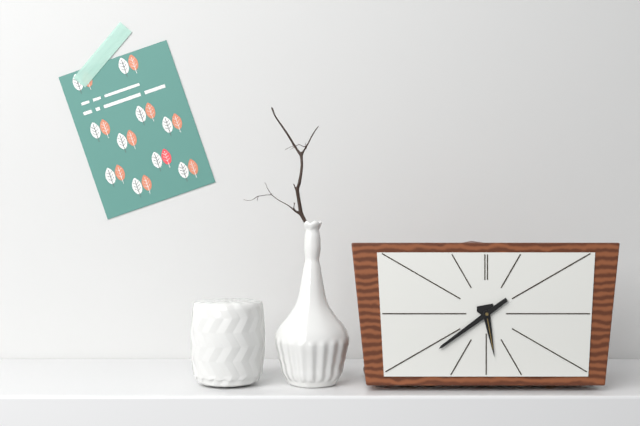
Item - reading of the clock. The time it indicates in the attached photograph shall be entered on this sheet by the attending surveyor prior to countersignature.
5:39
